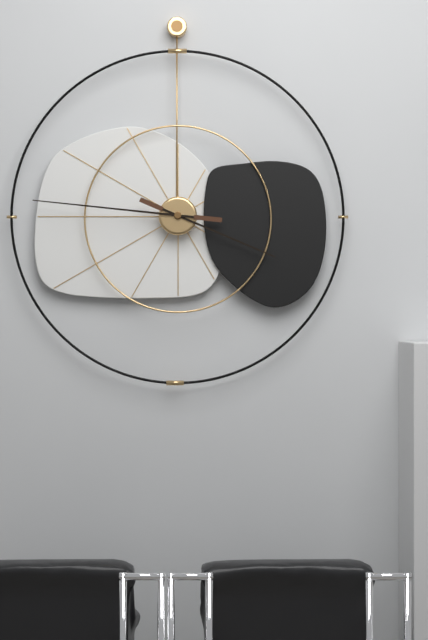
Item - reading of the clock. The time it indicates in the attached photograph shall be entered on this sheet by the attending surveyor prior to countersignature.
3:46
